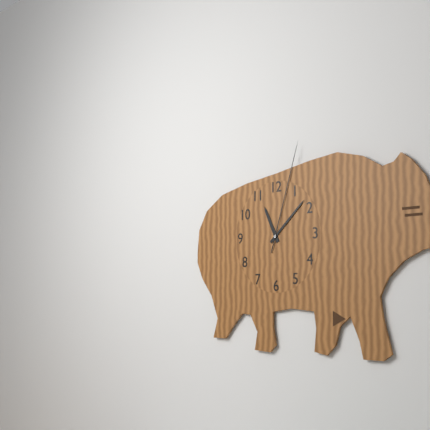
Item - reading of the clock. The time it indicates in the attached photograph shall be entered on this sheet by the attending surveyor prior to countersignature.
11:08:03
